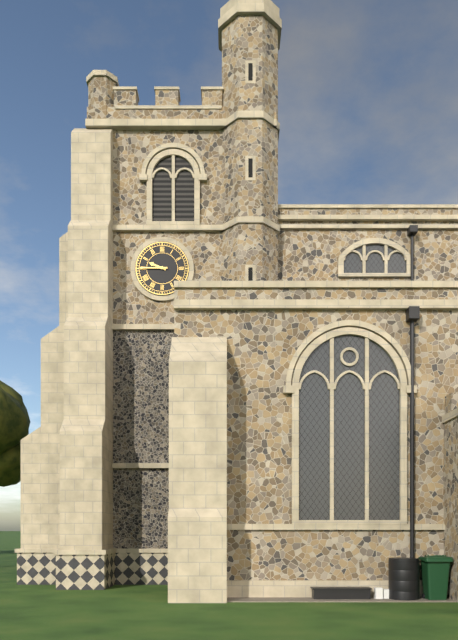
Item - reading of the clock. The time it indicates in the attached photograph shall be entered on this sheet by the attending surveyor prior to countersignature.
9:45
